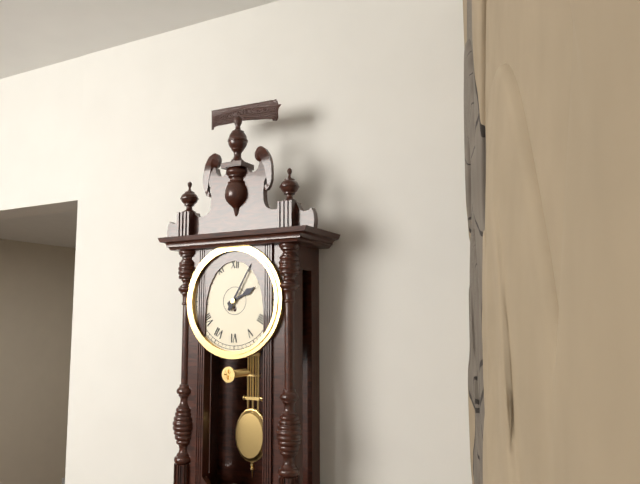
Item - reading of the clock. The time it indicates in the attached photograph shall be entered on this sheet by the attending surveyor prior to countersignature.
2:05
